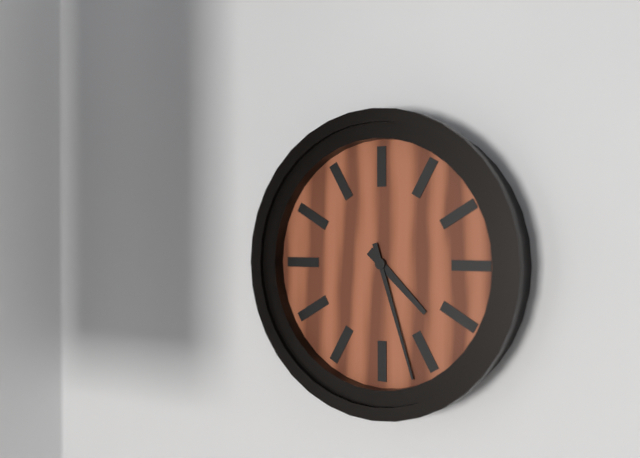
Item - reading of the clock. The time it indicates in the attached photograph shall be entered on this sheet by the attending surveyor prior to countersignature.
4:27
